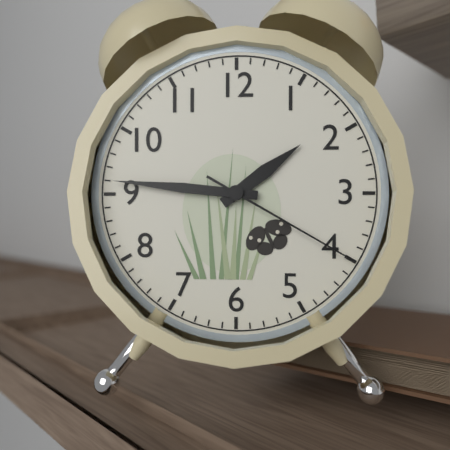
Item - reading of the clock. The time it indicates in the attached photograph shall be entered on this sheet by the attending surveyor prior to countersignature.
1:46:20
